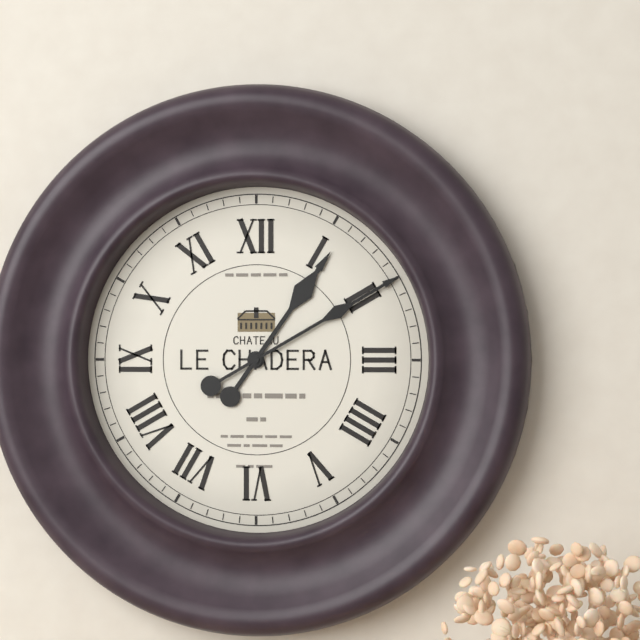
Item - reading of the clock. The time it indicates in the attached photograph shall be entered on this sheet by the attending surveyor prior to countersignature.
1:10
